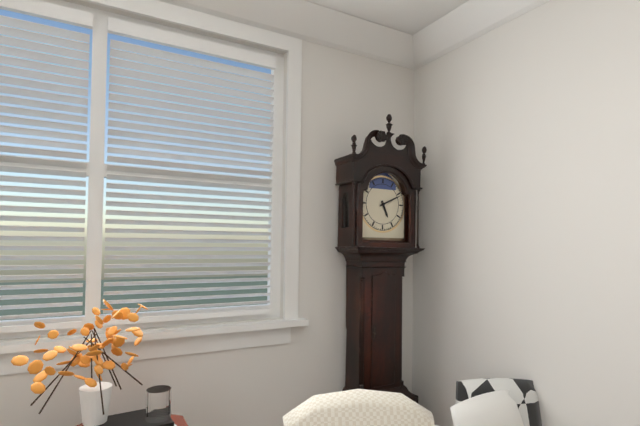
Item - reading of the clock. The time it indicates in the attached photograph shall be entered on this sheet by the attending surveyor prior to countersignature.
5:11
